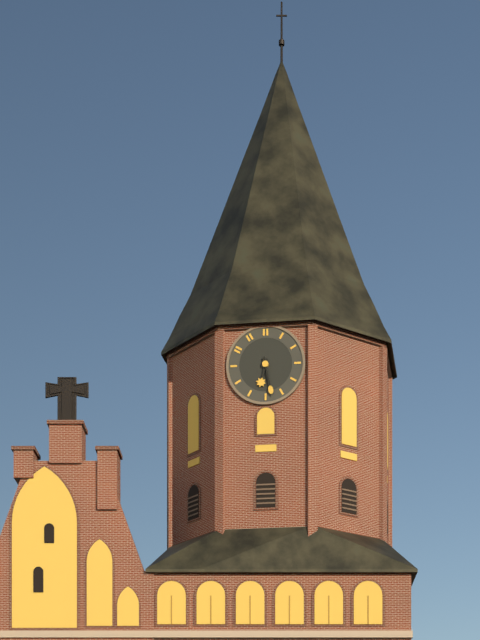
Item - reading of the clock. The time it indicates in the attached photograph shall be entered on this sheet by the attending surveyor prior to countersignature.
6:28
